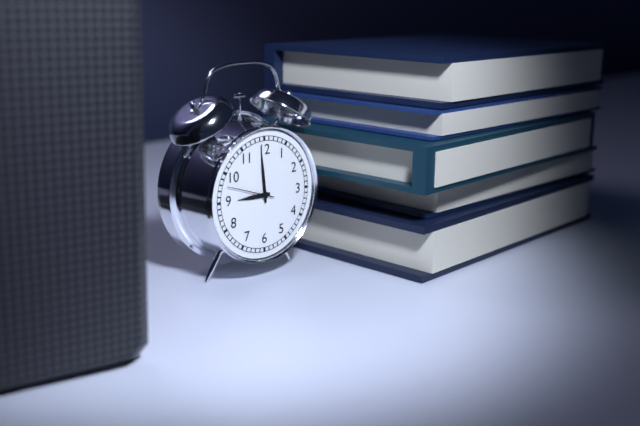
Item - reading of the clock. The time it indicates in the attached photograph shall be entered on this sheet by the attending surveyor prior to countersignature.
8:59
